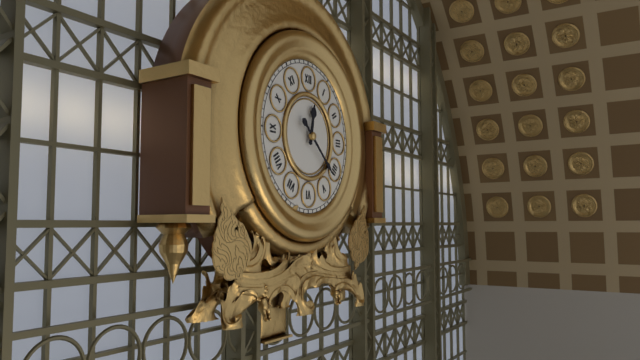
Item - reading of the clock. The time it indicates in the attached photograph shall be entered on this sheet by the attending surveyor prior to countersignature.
12:22
